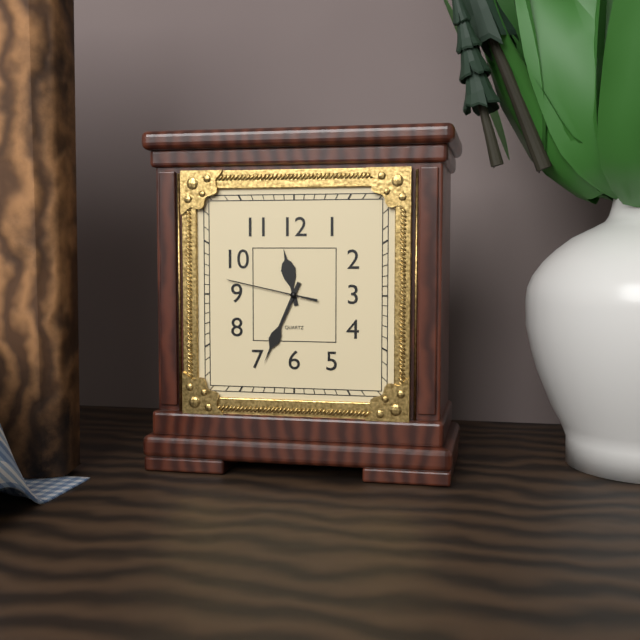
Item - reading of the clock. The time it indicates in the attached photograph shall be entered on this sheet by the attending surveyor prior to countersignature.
11:34:47
